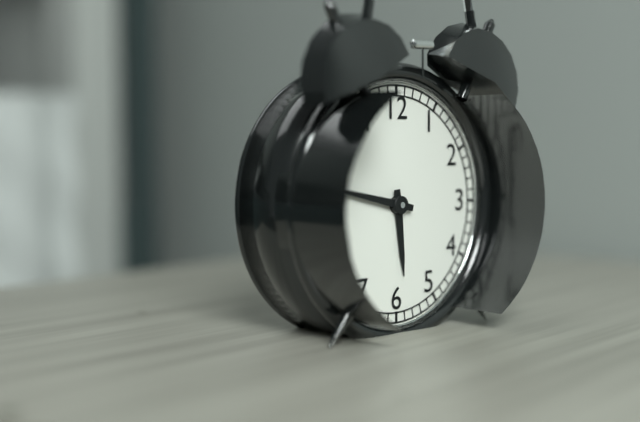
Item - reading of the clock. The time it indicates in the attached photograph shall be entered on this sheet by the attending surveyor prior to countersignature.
5:47
